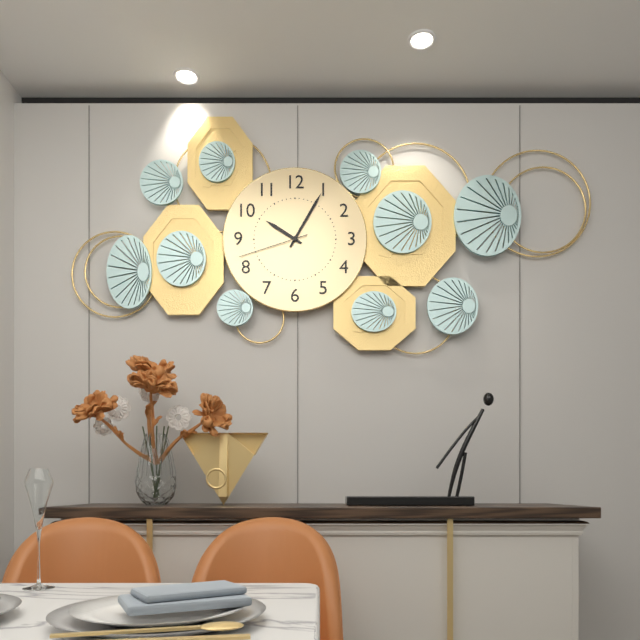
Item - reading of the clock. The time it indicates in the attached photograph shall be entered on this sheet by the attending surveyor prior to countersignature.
10:05:42
